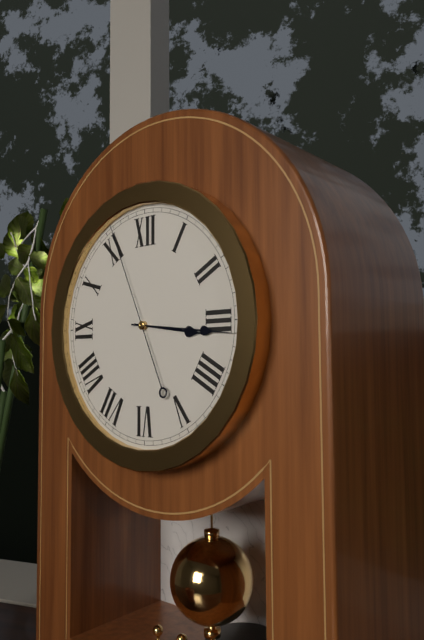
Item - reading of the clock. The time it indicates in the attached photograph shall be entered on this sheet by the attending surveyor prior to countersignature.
3:16:56
